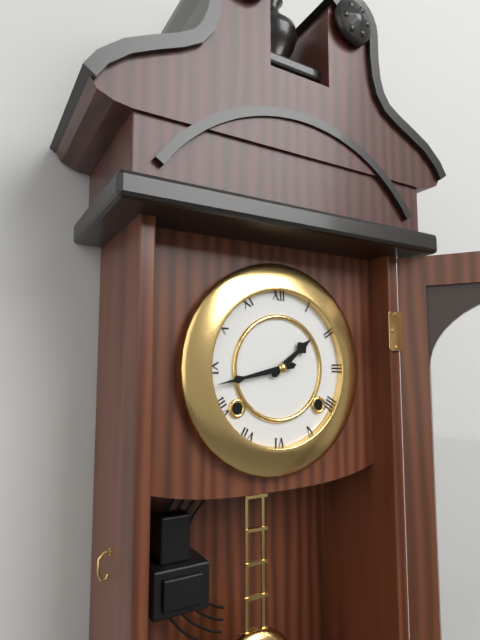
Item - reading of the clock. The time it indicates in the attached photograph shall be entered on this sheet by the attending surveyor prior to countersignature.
1:43
